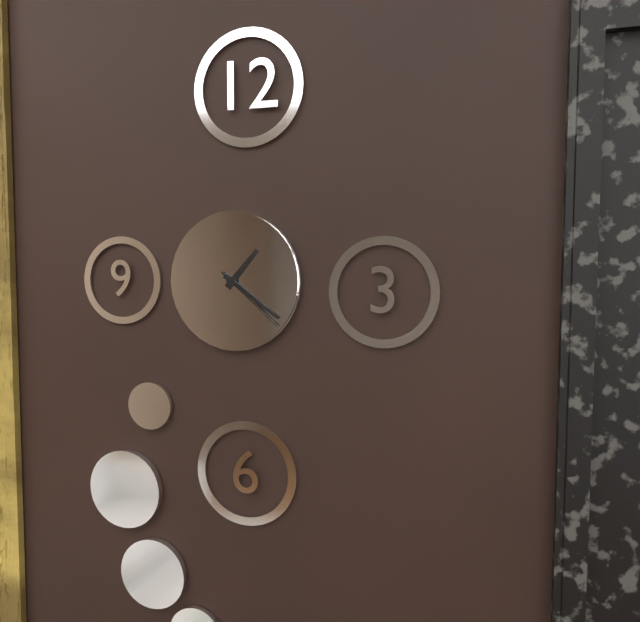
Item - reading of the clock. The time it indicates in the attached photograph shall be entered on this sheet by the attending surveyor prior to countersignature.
1:21:22
